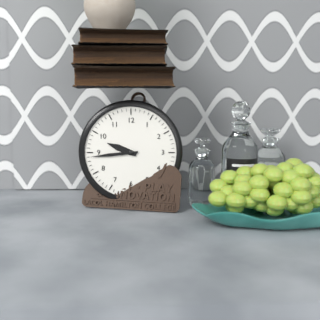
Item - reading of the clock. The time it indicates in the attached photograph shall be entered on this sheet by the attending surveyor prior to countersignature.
9:44
